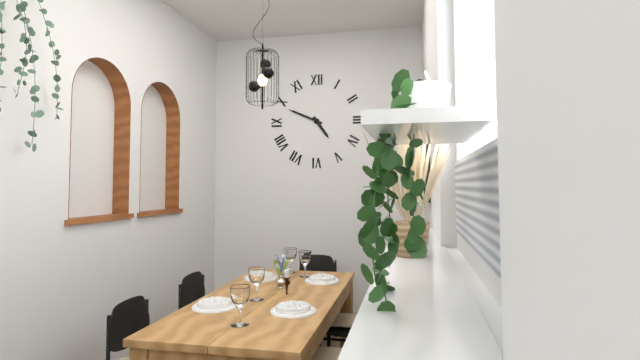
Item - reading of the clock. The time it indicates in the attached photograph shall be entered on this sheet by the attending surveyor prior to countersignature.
4:49
